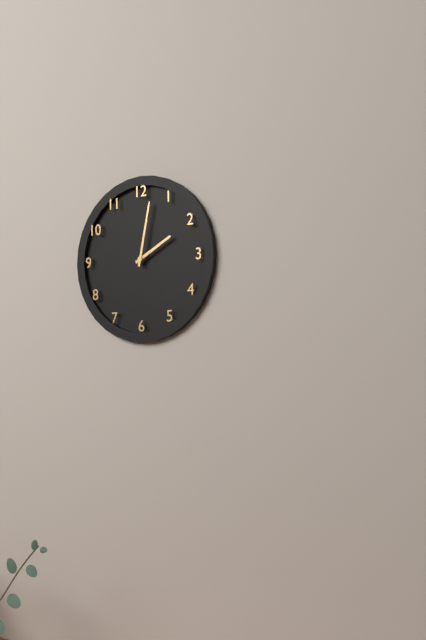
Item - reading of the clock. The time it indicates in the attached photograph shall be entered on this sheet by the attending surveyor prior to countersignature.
2:02
